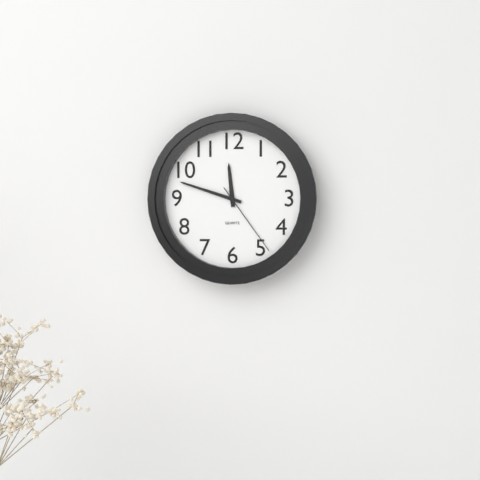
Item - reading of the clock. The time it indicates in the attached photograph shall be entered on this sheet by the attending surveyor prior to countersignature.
11:48:24
